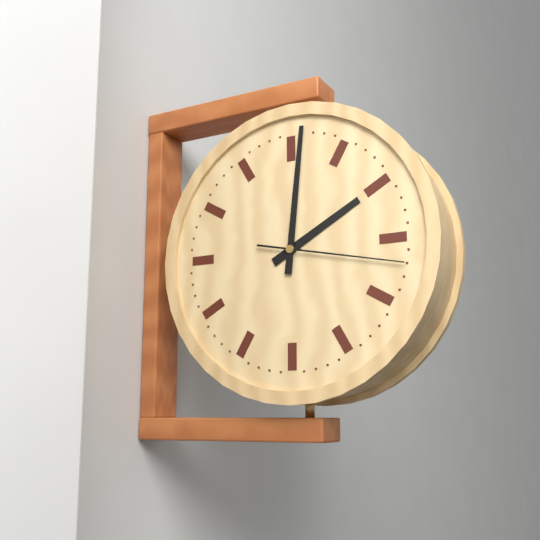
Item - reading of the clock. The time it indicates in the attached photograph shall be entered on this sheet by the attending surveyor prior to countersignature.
2:01:17
